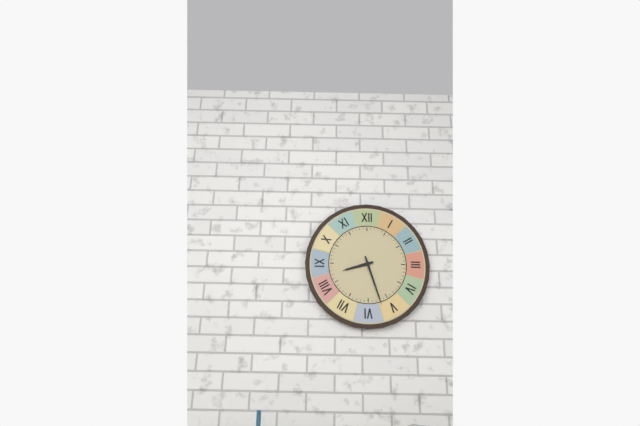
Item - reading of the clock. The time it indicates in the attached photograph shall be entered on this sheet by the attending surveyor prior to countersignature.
8:27
